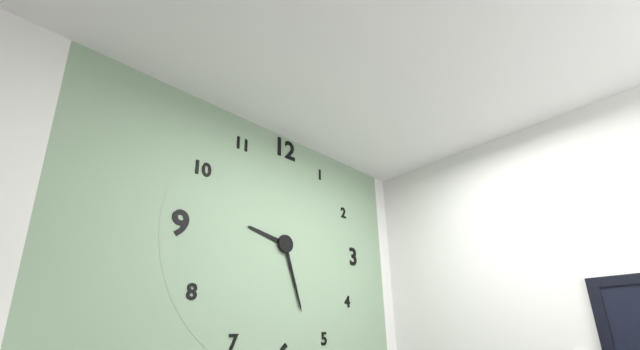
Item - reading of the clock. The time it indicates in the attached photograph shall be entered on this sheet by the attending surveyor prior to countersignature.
9:27
